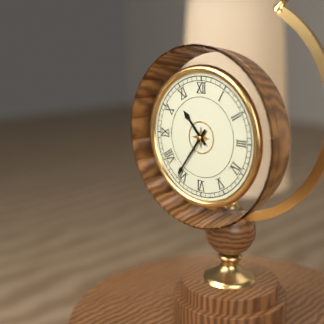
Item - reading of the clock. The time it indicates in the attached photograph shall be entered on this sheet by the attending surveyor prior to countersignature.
10:36
